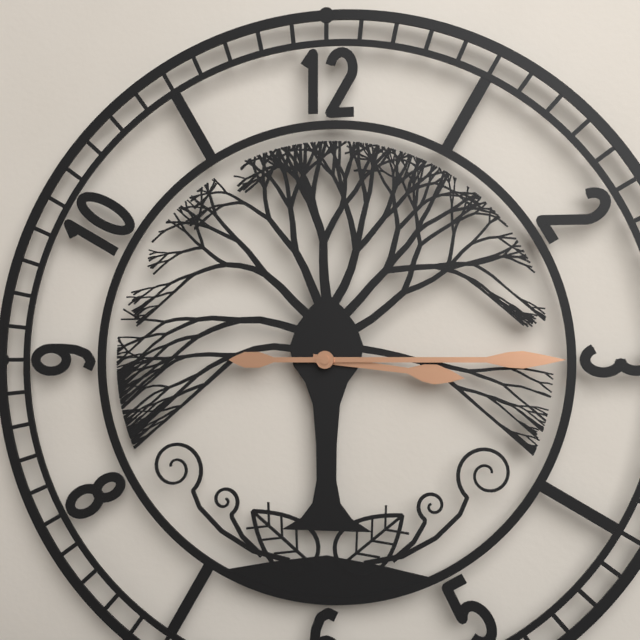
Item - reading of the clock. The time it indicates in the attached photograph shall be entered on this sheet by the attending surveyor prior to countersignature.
3:15
